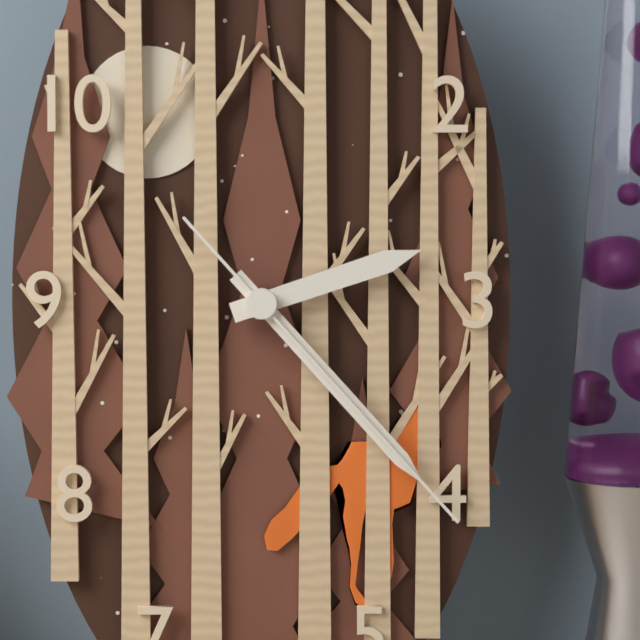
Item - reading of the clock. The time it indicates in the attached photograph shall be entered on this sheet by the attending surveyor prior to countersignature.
2:23:23
